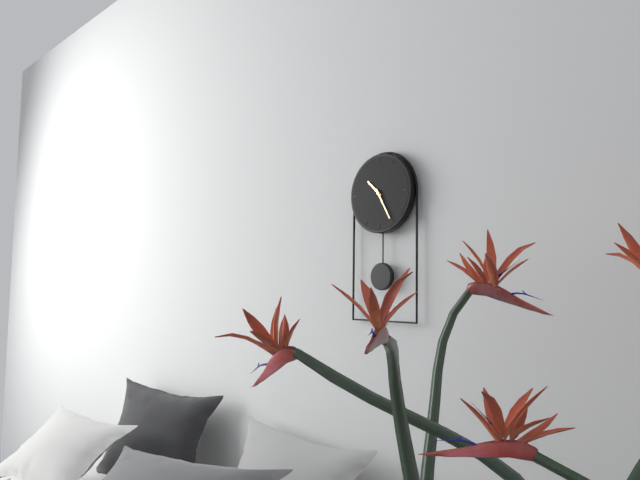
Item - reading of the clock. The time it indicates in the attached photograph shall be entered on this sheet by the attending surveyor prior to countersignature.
10:25
